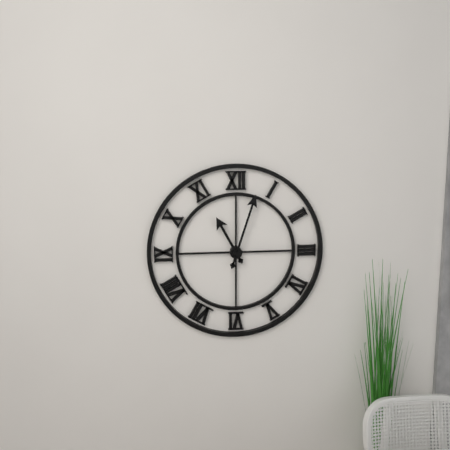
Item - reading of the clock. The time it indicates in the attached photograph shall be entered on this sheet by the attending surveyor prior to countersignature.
11:03
